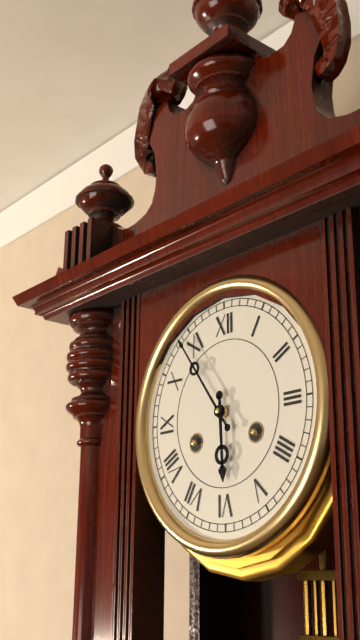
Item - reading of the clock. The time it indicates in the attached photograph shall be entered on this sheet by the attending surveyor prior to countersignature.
5:54
